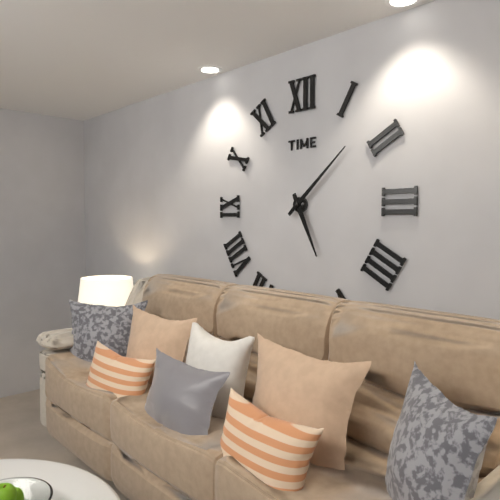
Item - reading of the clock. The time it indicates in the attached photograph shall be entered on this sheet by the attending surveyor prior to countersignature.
5:08
